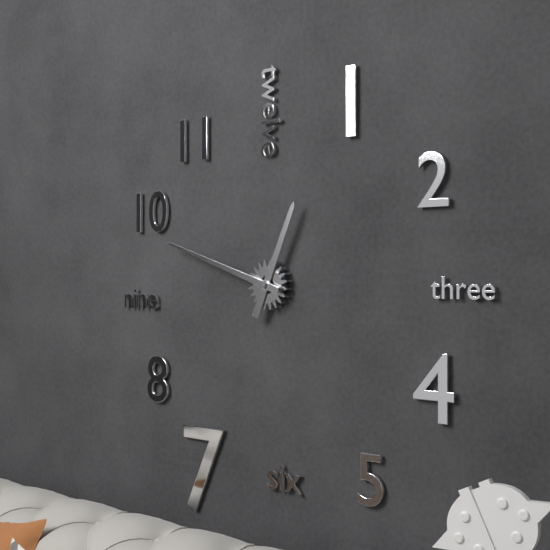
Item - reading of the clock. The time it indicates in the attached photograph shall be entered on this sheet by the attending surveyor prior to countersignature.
12:48
